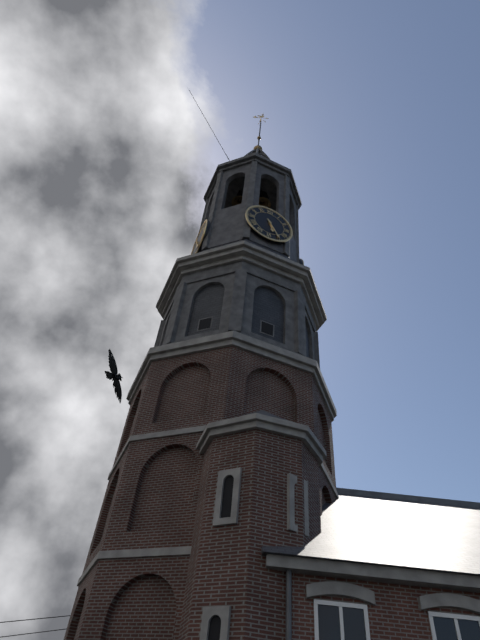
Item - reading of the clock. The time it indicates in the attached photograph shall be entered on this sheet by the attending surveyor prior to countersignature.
5:25
